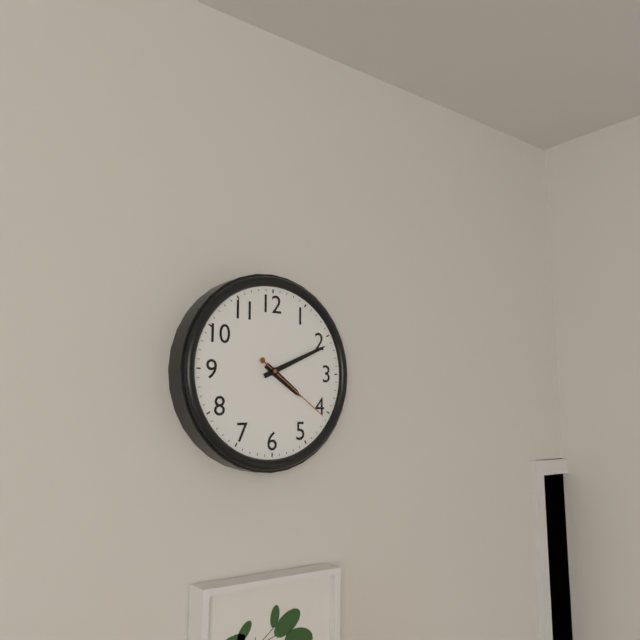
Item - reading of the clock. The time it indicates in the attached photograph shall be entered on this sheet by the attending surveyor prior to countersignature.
4:11:21
